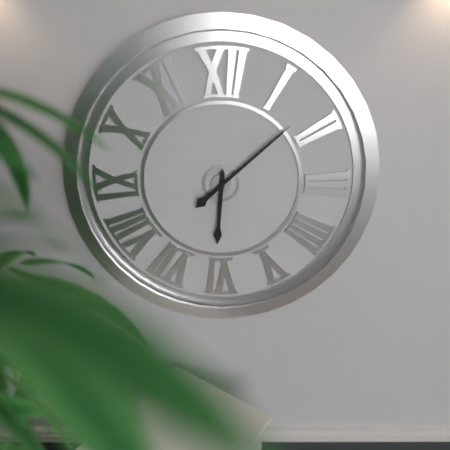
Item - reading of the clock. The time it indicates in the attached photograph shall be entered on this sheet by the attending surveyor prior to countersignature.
6:08
